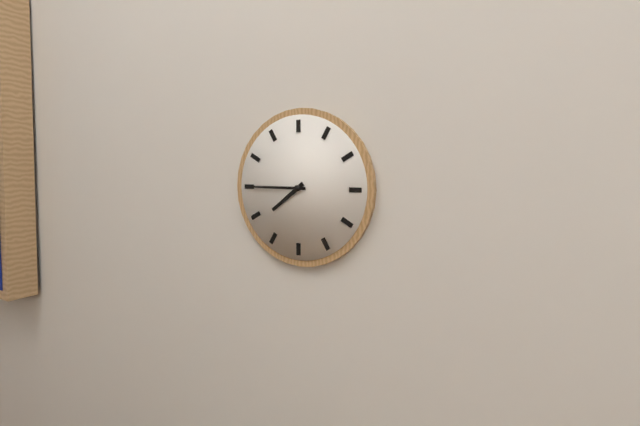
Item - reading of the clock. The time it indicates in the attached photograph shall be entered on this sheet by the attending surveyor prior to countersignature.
7:45
